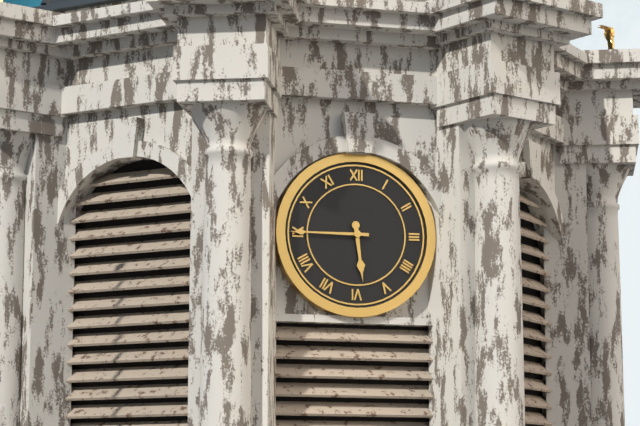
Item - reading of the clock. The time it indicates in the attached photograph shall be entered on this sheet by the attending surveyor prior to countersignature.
5:45
